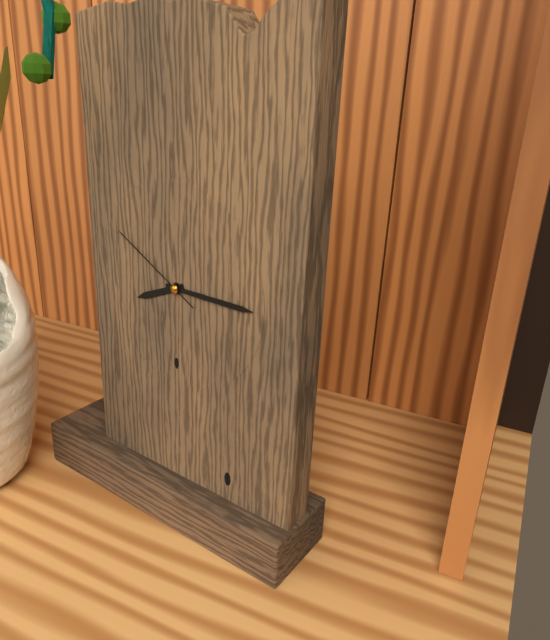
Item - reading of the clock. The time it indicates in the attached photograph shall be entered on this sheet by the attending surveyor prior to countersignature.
8:15:50
